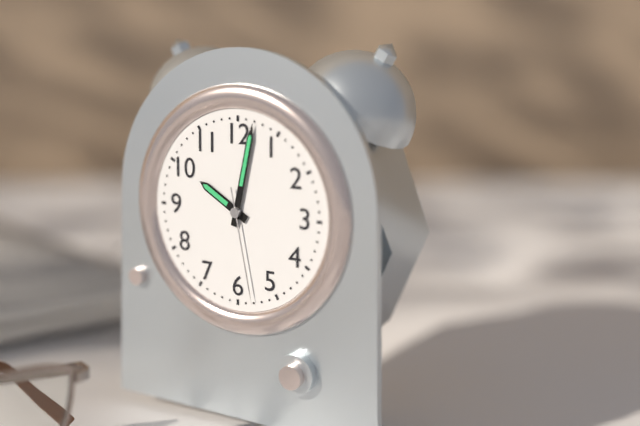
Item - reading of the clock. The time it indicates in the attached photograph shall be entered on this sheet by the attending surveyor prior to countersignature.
10:02:28
